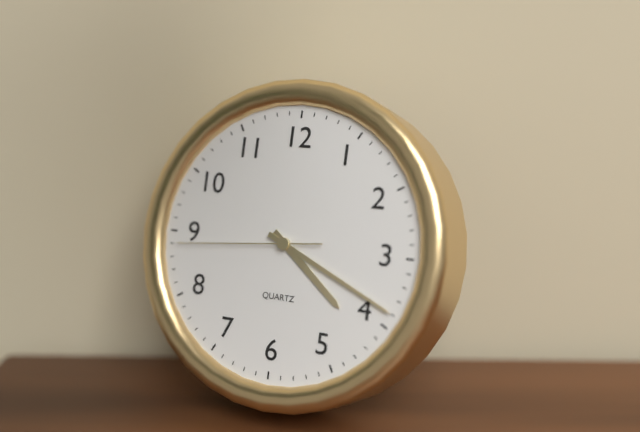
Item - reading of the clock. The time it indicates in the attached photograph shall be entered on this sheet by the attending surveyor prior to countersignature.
4:19:44
